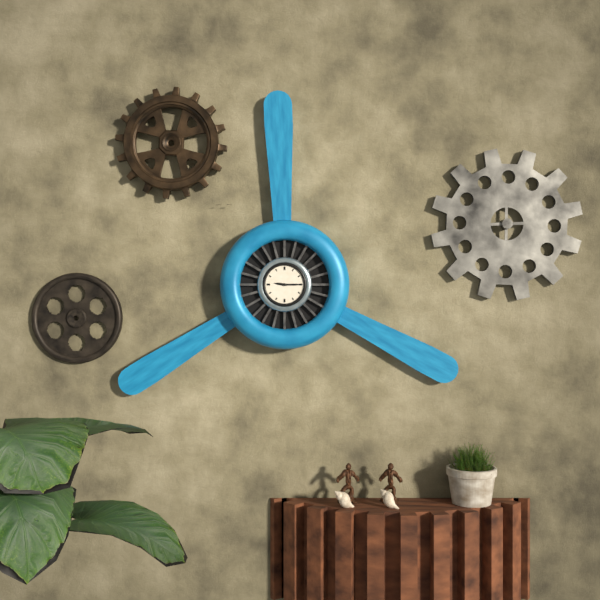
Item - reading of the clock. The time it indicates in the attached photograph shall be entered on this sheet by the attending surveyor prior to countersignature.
9:15
